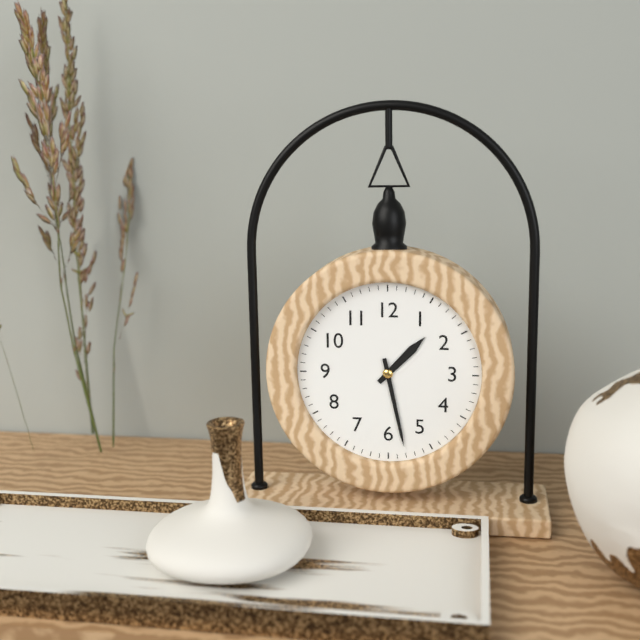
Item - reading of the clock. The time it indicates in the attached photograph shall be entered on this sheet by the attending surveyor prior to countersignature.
1:28
